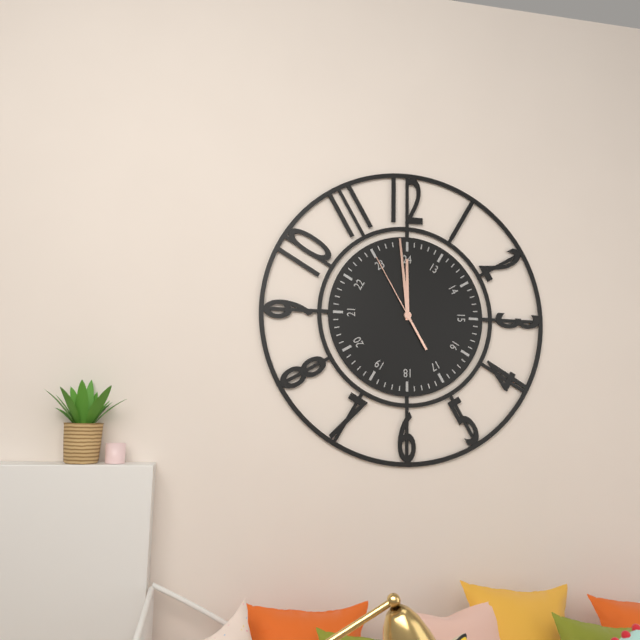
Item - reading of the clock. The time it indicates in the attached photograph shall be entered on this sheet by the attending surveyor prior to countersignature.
11:59:55
